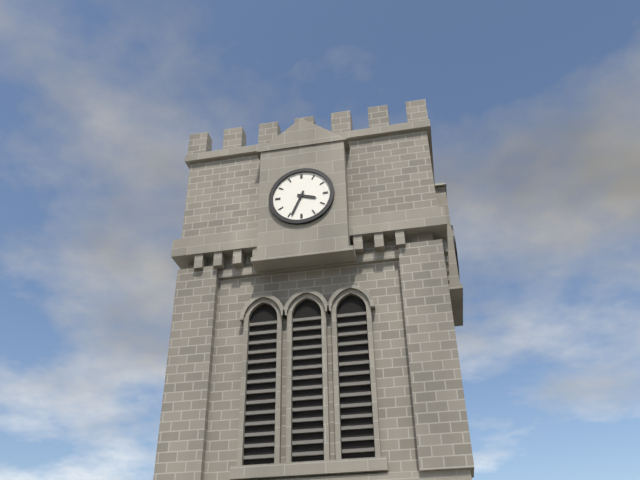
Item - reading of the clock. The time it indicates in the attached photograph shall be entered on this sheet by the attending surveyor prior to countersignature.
3:34
